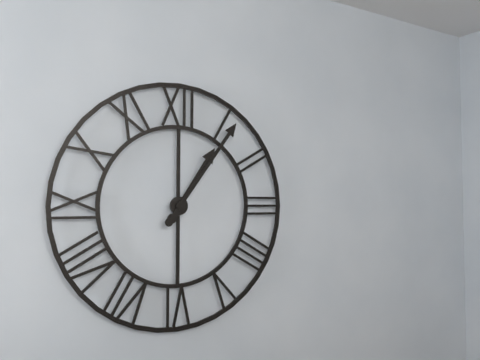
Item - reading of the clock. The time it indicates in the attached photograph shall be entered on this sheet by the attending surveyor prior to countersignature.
1:06
